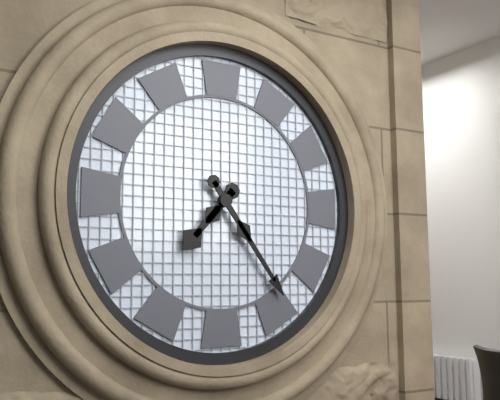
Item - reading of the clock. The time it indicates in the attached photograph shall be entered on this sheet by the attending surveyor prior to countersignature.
7:24
